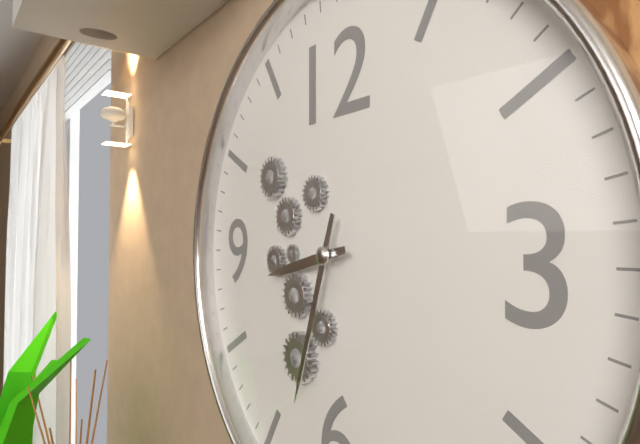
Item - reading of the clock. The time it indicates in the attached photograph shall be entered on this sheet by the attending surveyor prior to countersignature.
8:33
